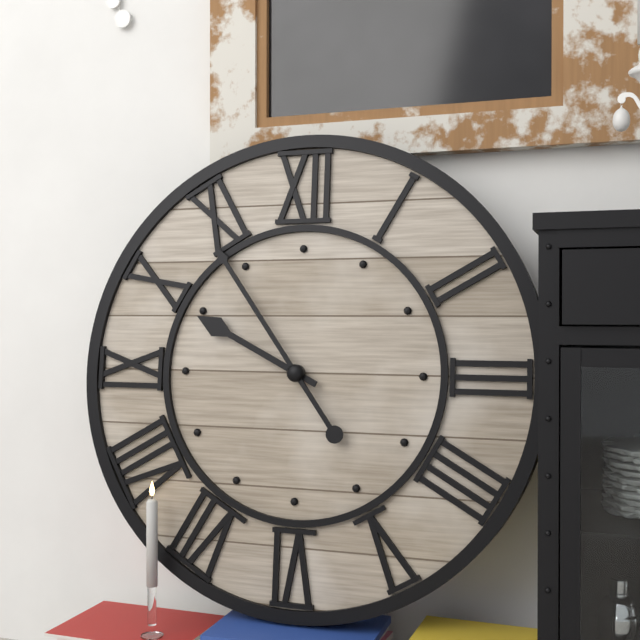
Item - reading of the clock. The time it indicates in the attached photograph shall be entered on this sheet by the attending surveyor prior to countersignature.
9:54
